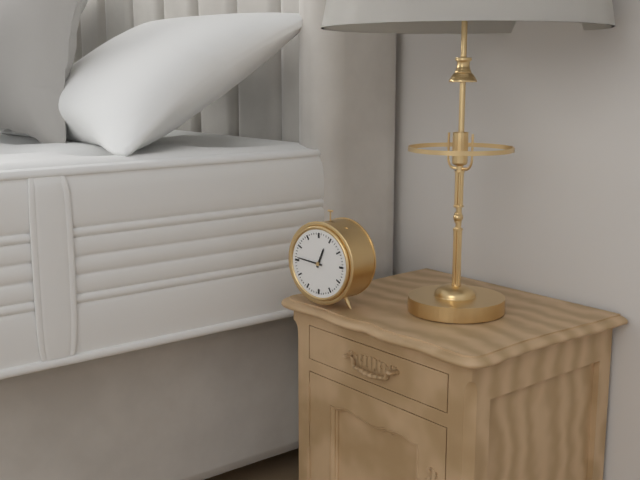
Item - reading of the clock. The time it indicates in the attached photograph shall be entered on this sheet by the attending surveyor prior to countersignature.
12:46
